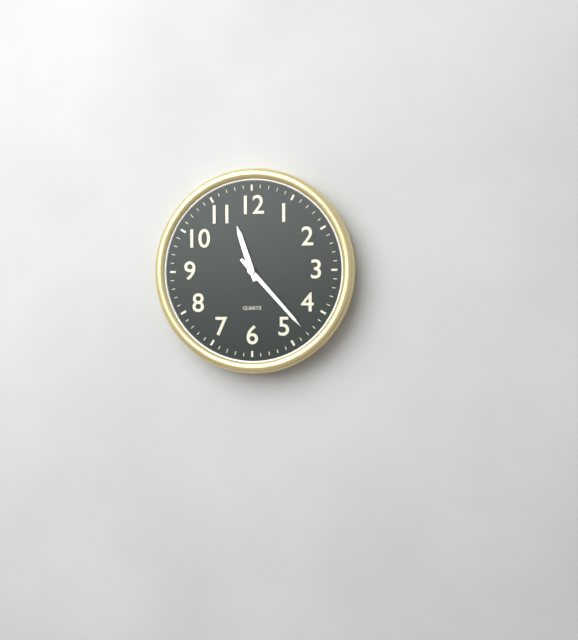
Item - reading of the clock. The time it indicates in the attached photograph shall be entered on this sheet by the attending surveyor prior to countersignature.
11:23
